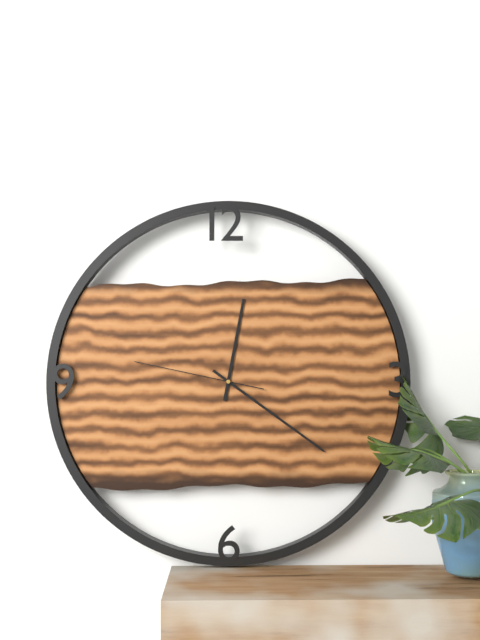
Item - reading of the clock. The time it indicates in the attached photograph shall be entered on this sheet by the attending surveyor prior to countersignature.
12:21:47
